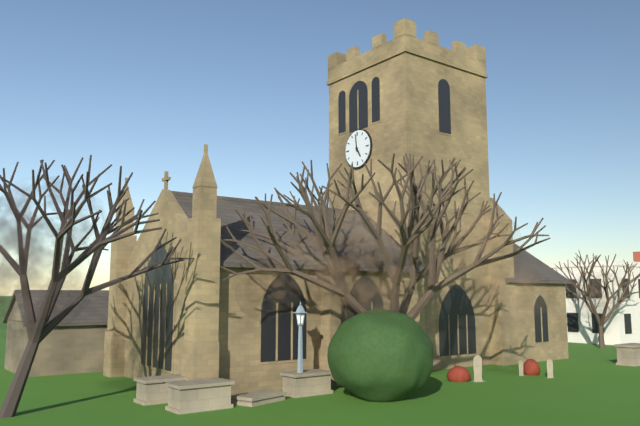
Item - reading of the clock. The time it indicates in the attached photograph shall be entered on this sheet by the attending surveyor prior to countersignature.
4:59
